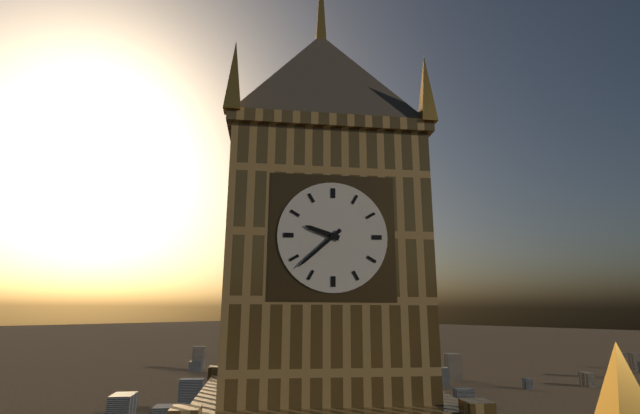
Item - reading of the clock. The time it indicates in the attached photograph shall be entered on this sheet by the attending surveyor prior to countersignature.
9:38
